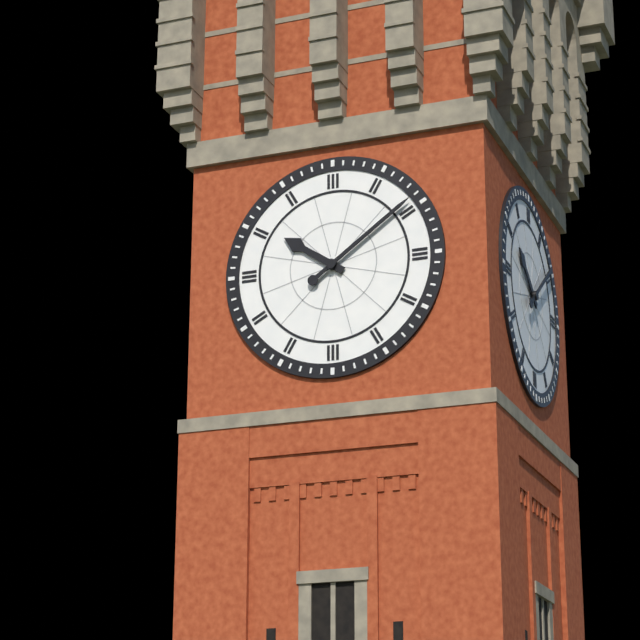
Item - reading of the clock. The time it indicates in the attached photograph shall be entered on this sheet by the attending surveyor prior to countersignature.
10:09
